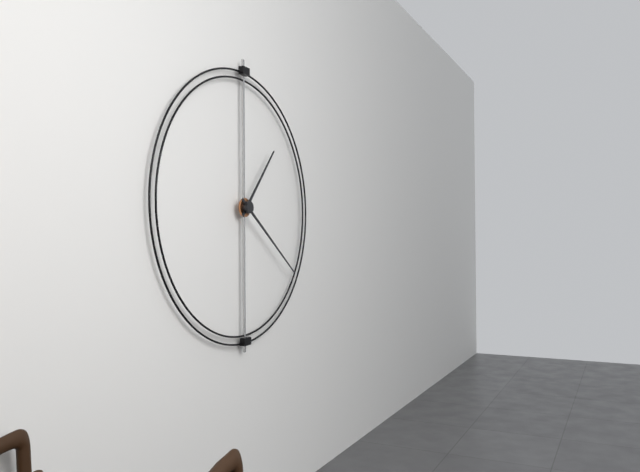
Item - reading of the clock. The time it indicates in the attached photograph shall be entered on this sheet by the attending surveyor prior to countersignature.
1:21
